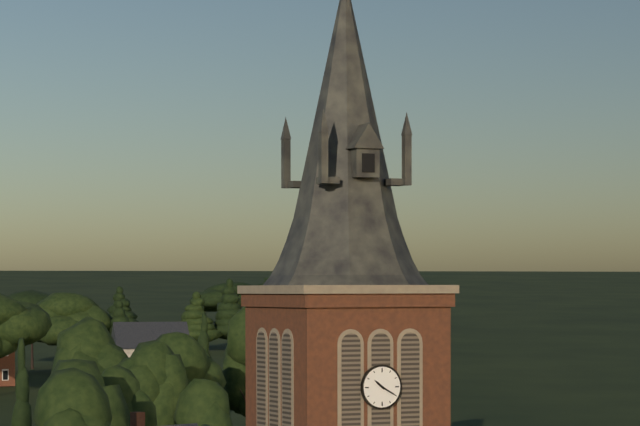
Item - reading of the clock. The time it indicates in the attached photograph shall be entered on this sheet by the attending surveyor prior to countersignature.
10:20
